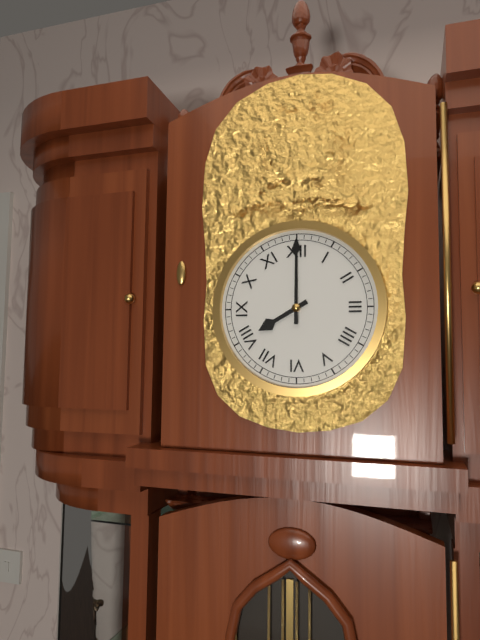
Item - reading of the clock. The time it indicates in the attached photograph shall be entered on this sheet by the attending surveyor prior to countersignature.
8:00
